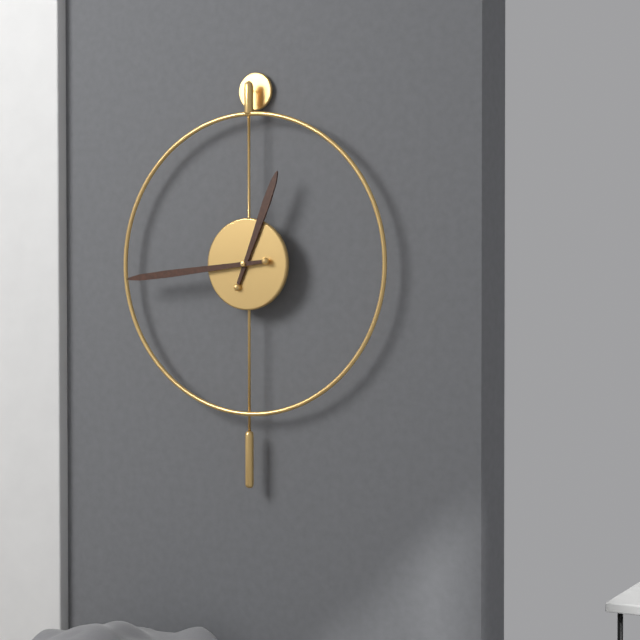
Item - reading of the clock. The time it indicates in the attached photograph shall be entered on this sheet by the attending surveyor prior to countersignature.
12:44
